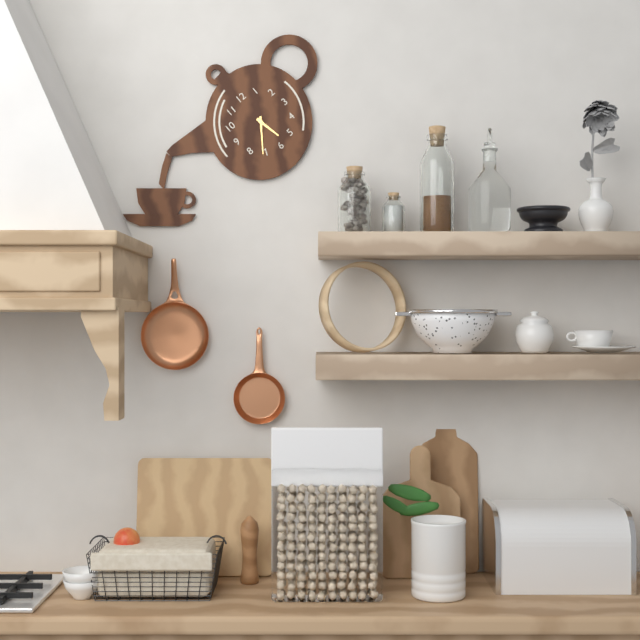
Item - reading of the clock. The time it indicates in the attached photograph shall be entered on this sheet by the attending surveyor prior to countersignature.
5:36
